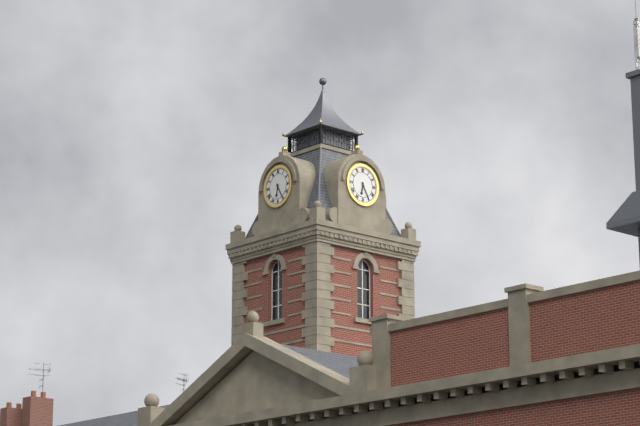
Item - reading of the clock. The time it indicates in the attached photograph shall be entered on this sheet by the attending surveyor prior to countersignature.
6:25
